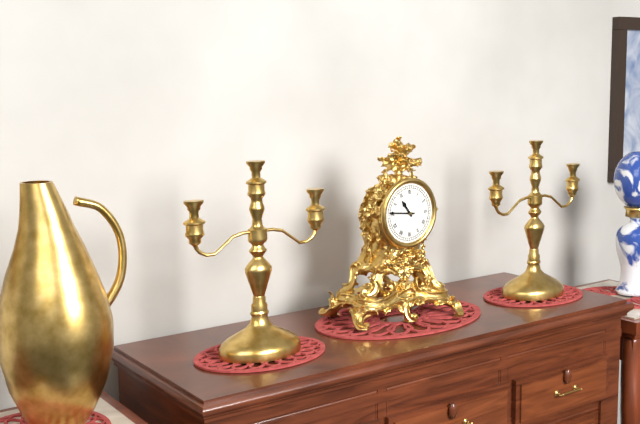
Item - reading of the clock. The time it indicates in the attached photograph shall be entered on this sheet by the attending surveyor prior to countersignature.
10:46
